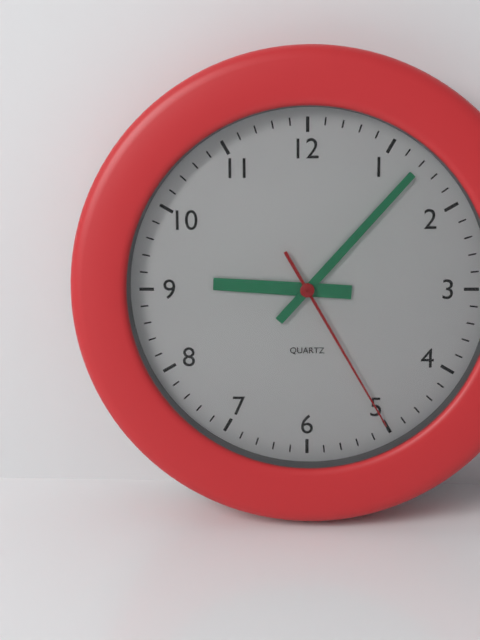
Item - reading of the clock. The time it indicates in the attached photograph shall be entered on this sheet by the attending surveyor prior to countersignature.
9:07:25
